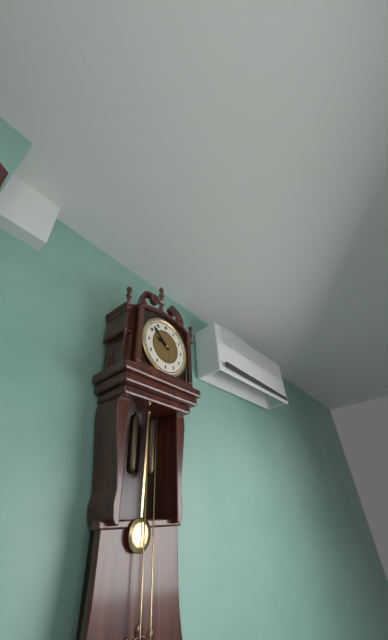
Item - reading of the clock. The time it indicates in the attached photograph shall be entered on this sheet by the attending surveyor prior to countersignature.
9:52
